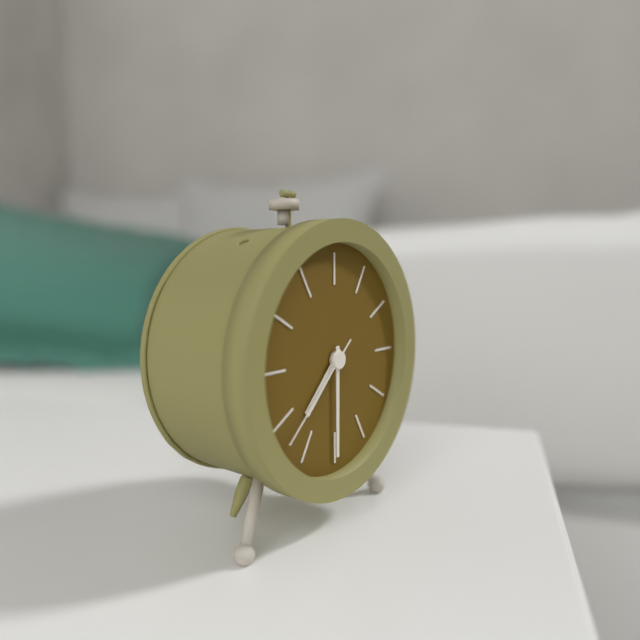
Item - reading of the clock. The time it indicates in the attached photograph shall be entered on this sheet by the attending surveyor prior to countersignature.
7:30:38
